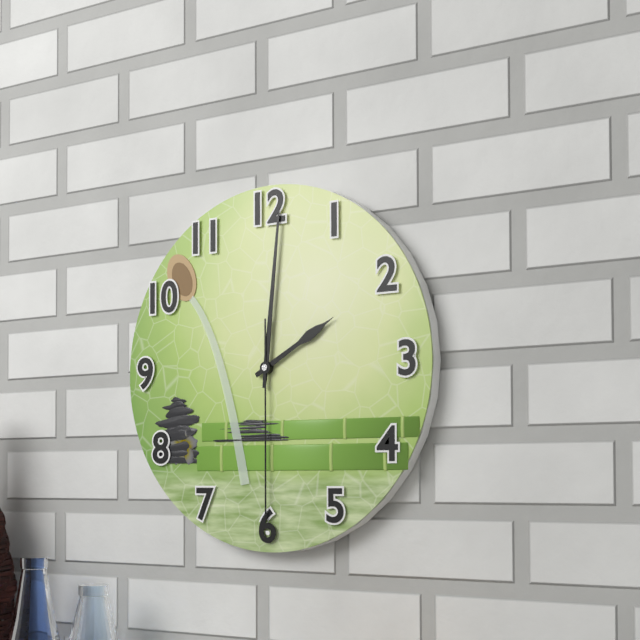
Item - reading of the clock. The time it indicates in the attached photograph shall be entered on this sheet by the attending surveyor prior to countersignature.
2:01:30
